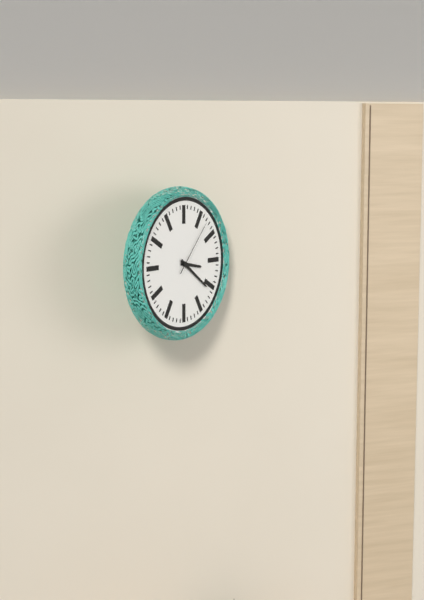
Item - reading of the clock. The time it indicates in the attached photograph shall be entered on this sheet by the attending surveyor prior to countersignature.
3:21:07
